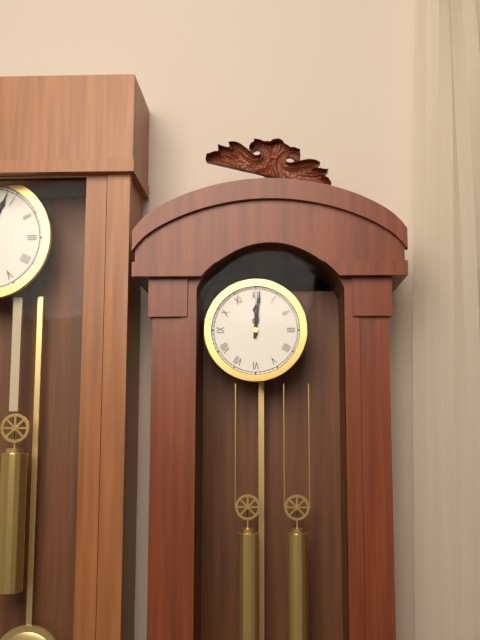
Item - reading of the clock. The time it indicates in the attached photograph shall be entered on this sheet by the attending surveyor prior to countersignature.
12:01
